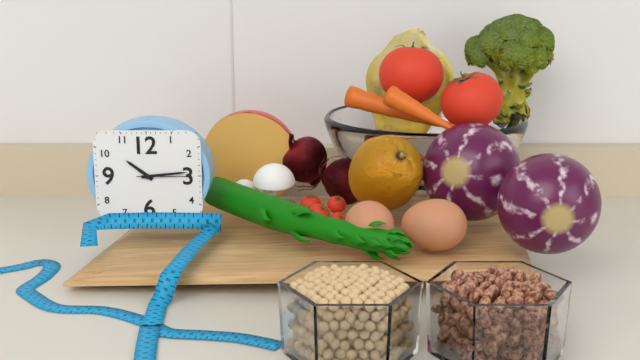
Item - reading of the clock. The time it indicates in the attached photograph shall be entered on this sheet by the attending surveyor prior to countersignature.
10:14:15
